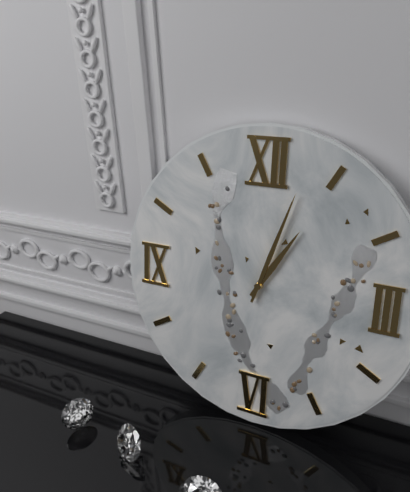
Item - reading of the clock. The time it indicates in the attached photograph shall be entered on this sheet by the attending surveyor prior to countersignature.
1:03
